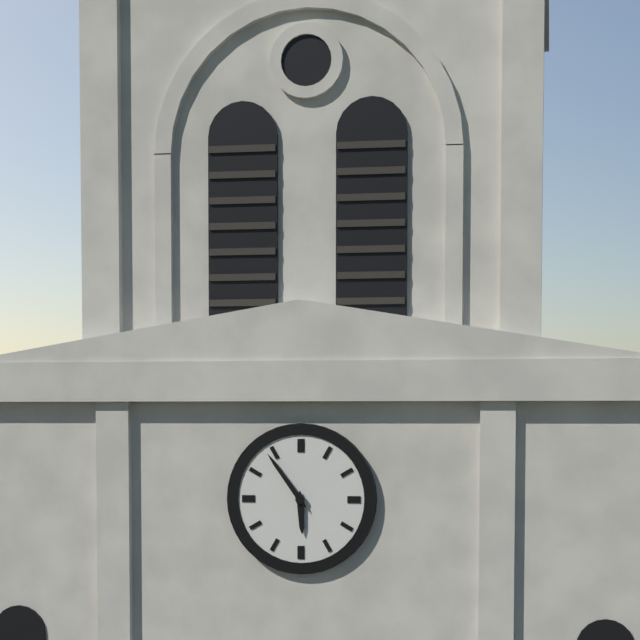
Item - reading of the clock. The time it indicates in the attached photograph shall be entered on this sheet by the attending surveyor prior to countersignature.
5:54
